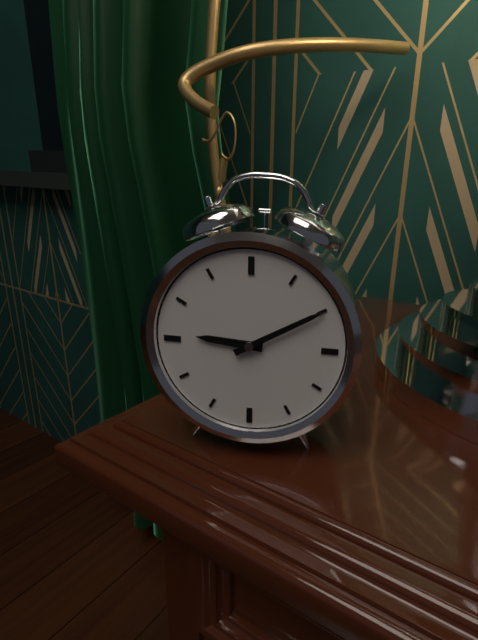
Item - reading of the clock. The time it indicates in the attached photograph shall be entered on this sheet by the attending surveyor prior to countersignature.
9:10
